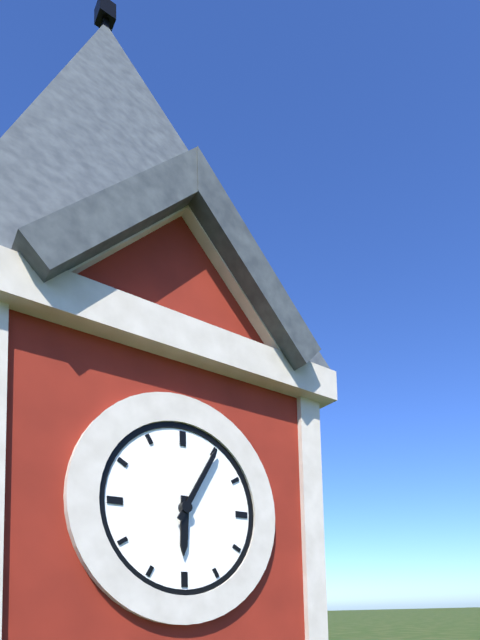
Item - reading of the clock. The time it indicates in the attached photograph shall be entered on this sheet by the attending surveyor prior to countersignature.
6:05
